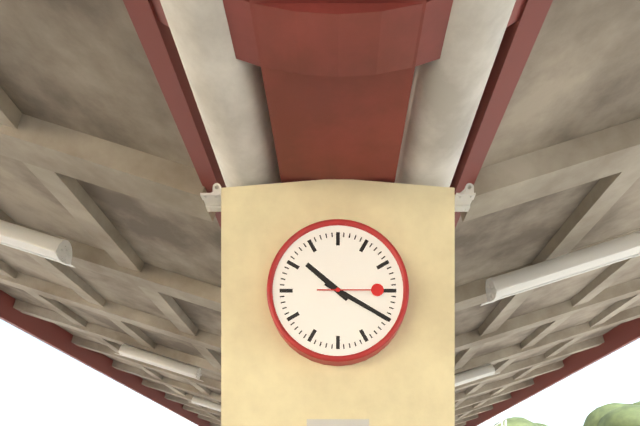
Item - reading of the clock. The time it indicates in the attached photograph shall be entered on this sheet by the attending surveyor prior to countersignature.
10:20:15
